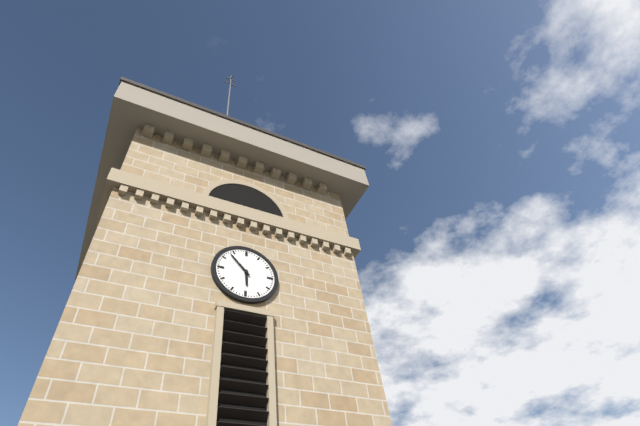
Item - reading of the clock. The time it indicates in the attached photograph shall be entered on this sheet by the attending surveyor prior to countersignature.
5:53
